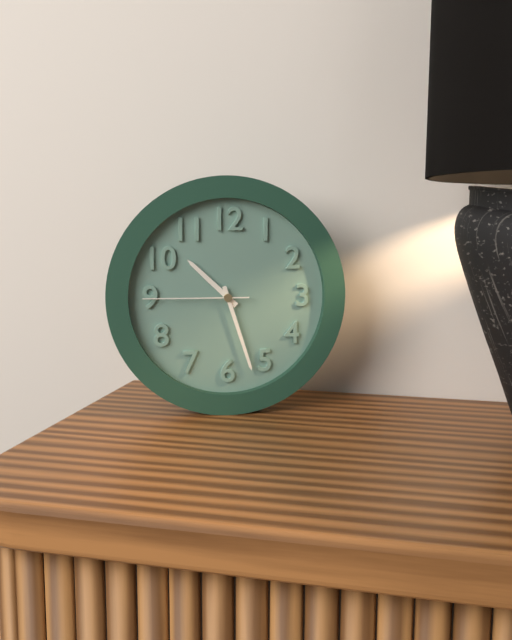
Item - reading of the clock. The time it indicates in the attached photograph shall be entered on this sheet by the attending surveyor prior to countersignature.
10:27:45
